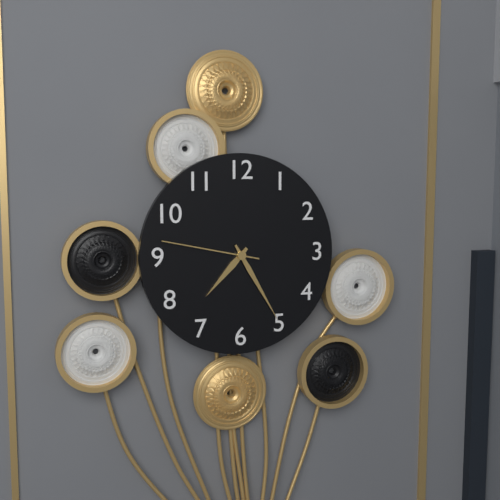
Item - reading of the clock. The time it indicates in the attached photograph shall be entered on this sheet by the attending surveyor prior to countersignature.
7:25:47
